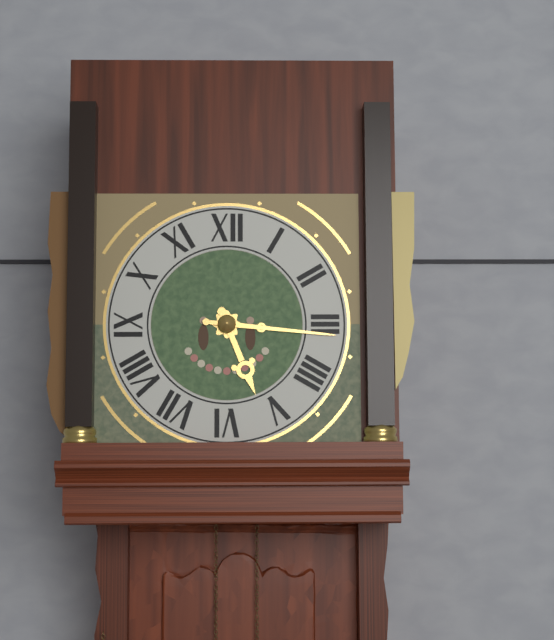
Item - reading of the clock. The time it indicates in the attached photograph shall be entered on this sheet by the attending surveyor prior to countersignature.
5:16
